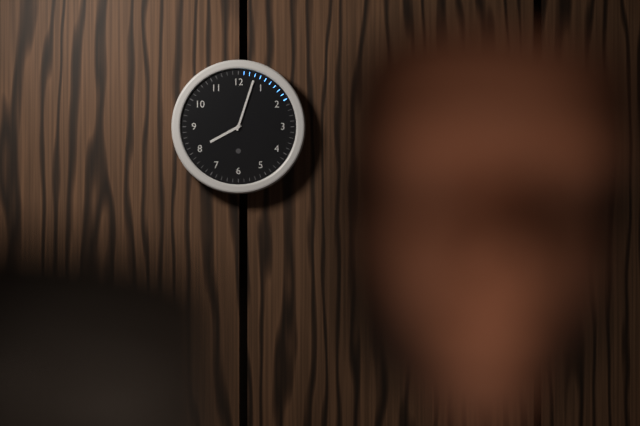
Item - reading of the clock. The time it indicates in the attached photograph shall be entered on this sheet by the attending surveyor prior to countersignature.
8:03
